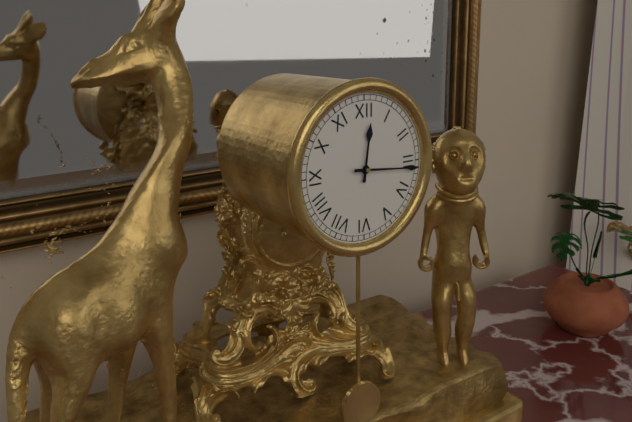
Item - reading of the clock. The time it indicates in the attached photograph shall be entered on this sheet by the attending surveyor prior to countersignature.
12:16
